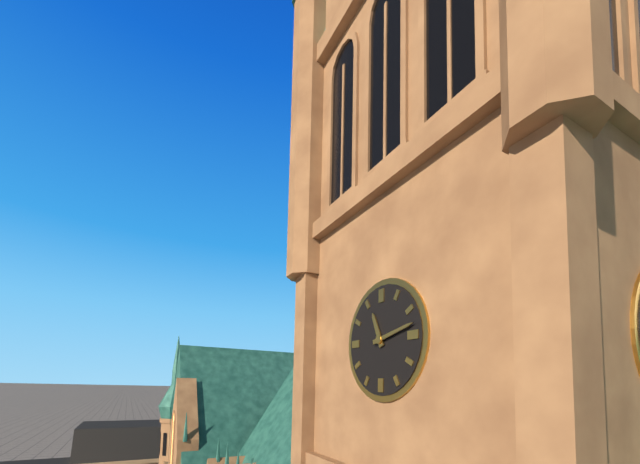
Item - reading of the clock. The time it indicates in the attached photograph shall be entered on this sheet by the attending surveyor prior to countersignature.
11:13
